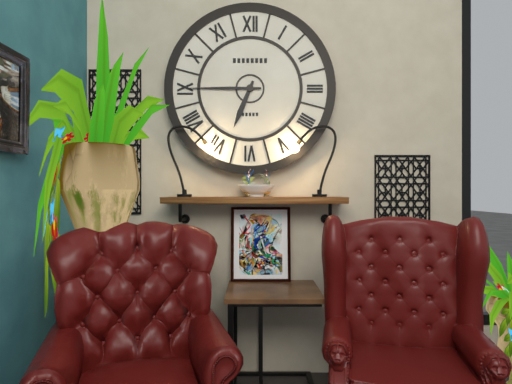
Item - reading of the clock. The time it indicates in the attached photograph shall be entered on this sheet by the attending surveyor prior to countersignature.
6:45
